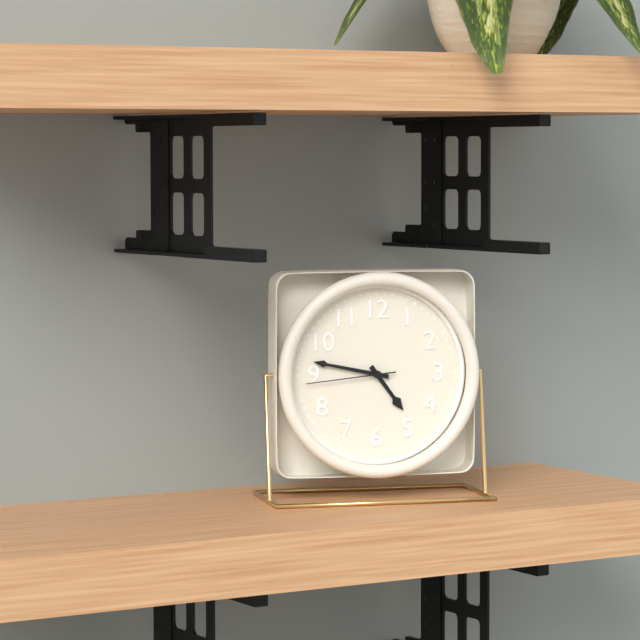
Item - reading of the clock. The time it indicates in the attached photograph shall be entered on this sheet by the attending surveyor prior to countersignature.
4:47:44
